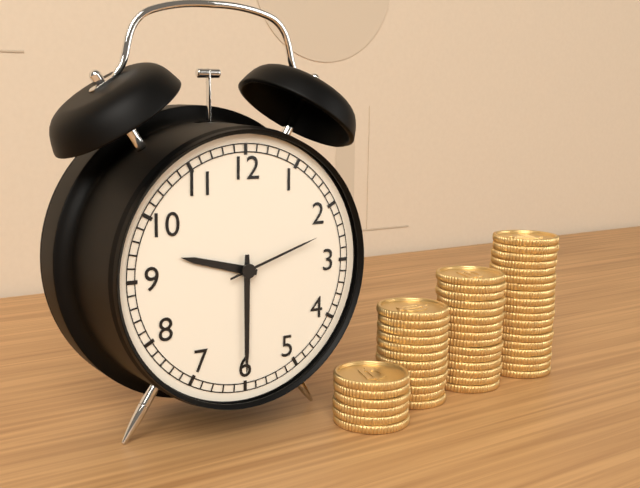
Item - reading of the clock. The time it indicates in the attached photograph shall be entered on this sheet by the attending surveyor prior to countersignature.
9:30:12
